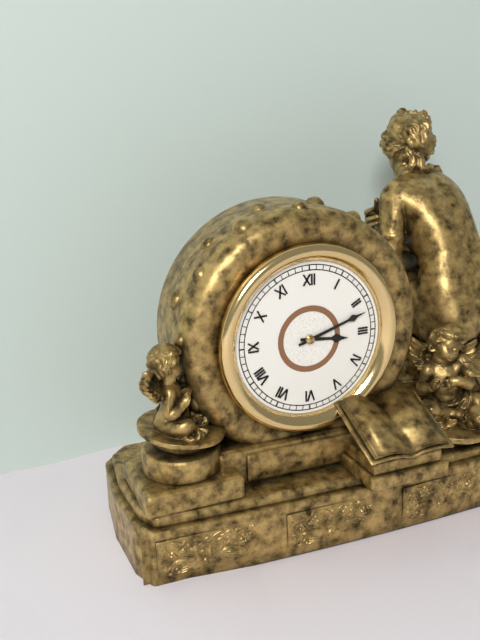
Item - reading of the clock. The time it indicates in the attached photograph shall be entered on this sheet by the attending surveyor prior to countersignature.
3:12
